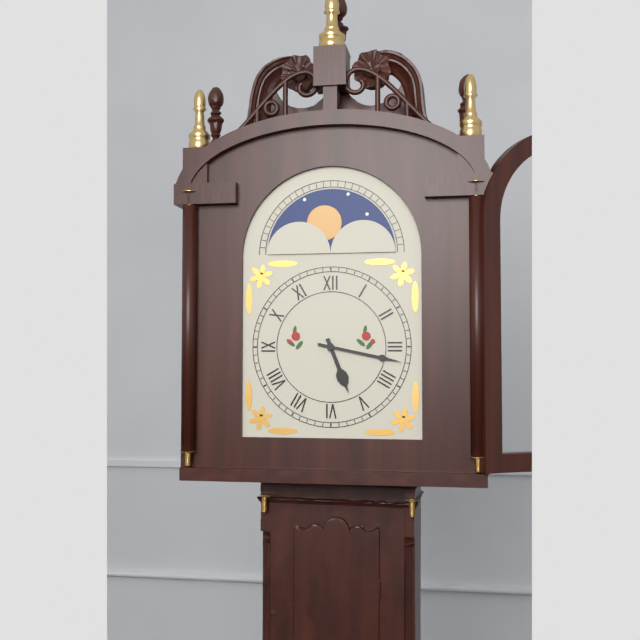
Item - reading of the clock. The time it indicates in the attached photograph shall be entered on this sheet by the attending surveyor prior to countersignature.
5:17
